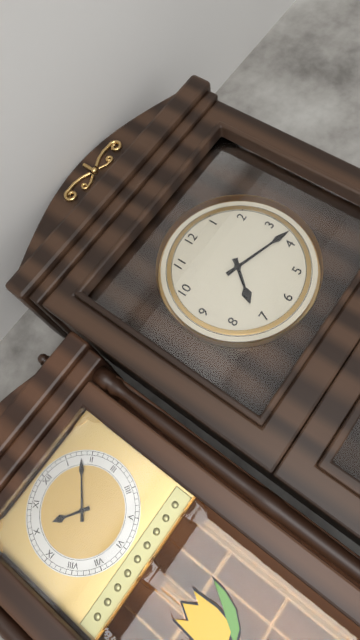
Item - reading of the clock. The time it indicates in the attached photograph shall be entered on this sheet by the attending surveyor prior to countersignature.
7:18
